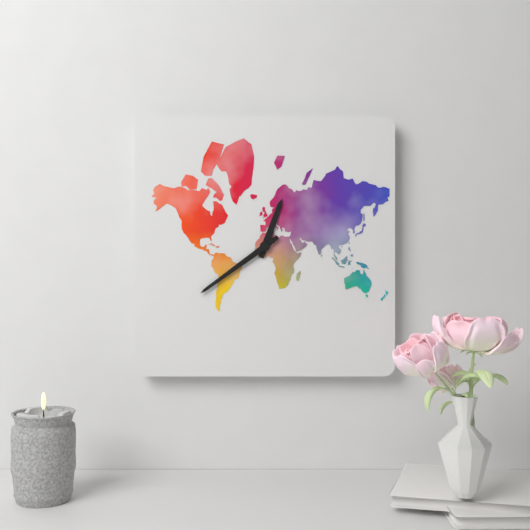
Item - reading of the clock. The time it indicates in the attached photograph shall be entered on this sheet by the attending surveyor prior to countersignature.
12:39
